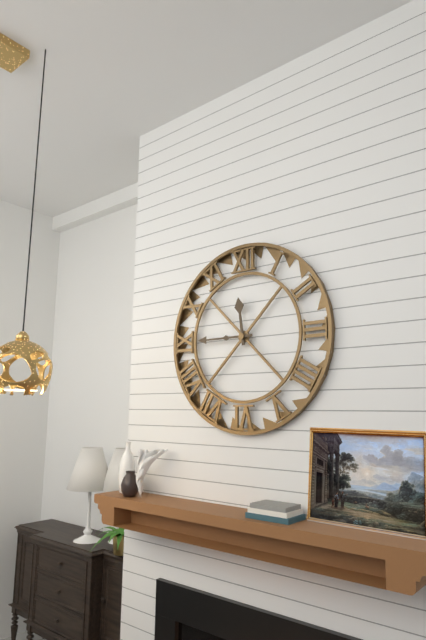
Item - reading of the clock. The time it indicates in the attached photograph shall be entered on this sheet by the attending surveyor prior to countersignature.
11:45
